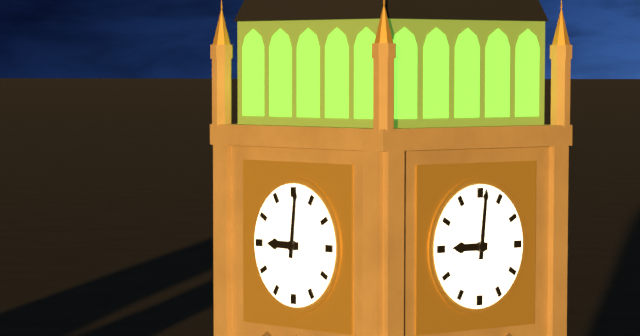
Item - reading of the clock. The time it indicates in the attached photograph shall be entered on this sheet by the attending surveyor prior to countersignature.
9:01
